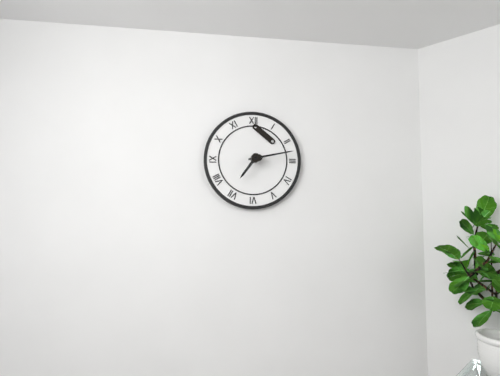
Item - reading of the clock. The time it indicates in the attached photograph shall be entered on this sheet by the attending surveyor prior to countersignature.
7:13
